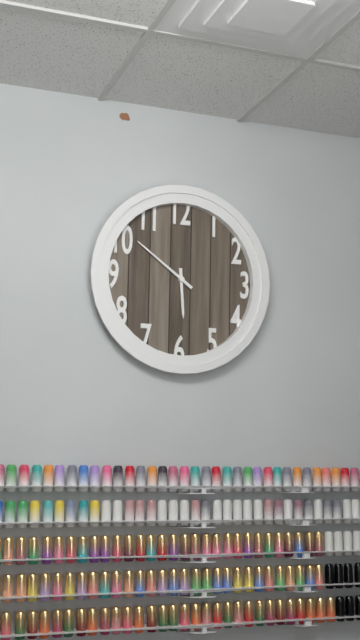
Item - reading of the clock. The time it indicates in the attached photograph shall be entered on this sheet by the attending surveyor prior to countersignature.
5:51
